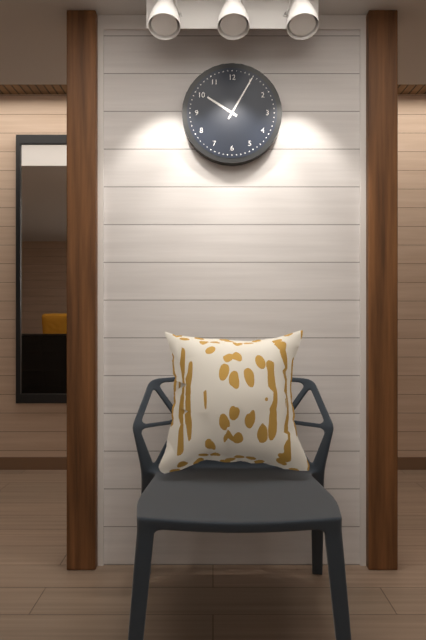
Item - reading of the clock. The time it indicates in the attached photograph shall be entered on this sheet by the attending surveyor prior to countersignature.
10:05
